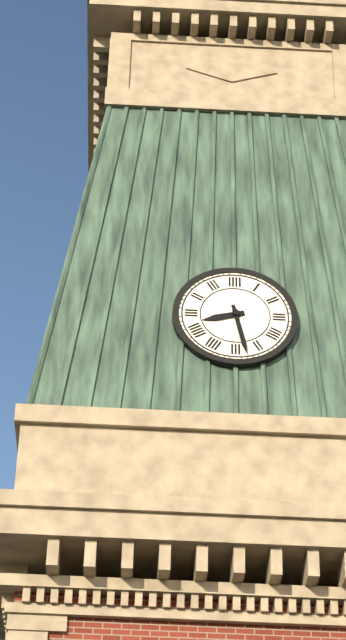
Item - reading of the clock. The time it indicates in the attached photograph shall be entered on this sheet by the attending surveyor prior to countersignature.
8:28
